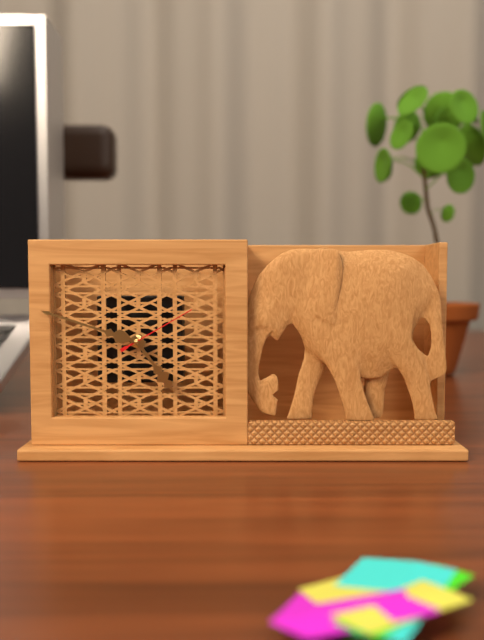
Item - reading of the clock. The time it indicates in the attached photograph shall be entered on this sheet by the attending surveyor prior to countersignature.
4:48:10
